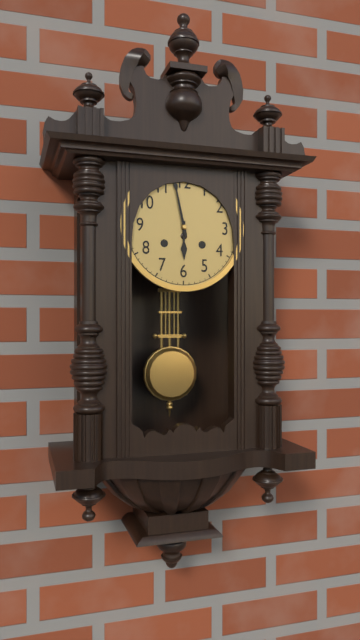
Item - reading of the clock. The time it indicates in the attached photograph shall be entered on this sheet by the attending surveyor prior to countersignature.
5:58
